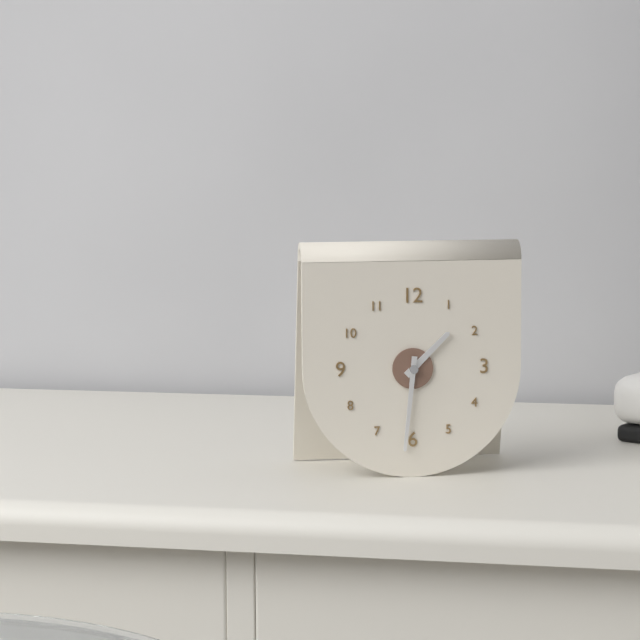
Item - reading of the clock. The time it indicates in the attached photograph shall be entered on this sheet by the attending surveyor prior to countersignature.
1:31
